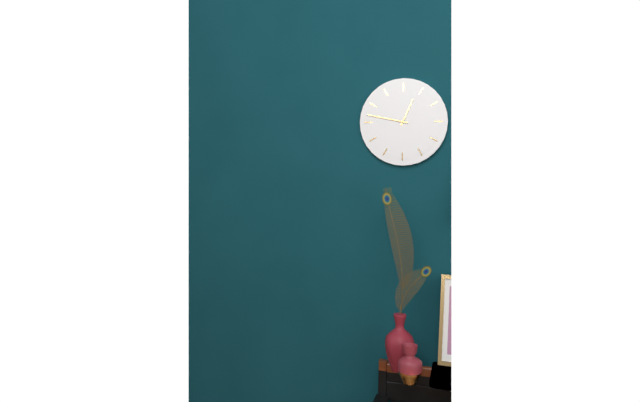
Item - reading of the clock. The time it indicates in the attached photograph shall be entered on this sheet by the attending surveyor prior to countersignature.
12:47
